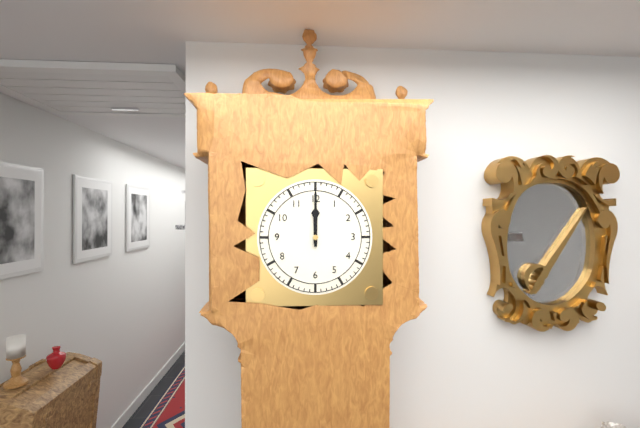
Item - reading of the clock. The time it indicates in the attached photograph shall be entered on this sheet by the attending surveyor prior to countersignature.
12:00
